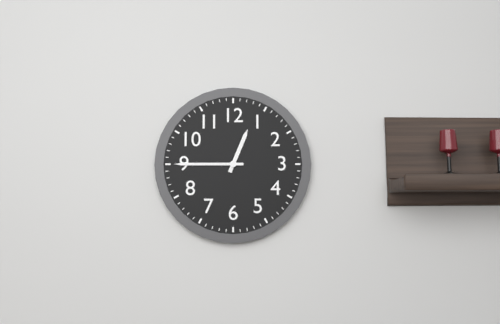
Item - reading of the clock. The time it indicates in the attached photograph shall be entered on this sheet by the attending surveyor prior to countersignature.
12:45
